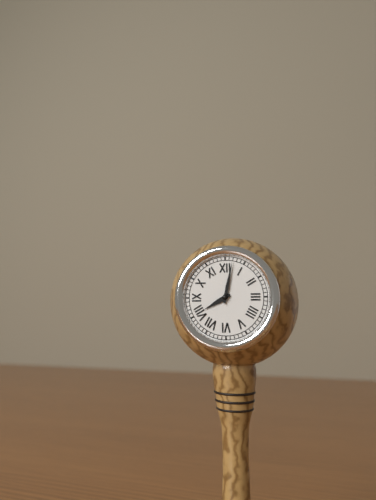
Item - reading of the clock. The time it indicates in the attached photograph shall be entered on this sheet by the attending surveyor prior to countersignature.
8:02
